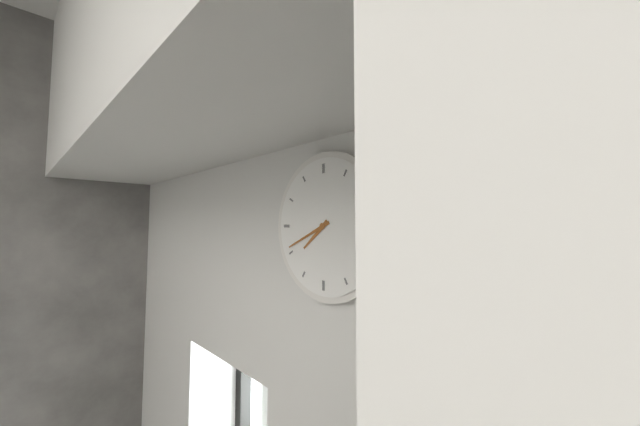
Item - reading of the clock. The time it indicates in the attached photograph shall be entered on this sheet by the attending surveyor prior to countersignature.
7:41
